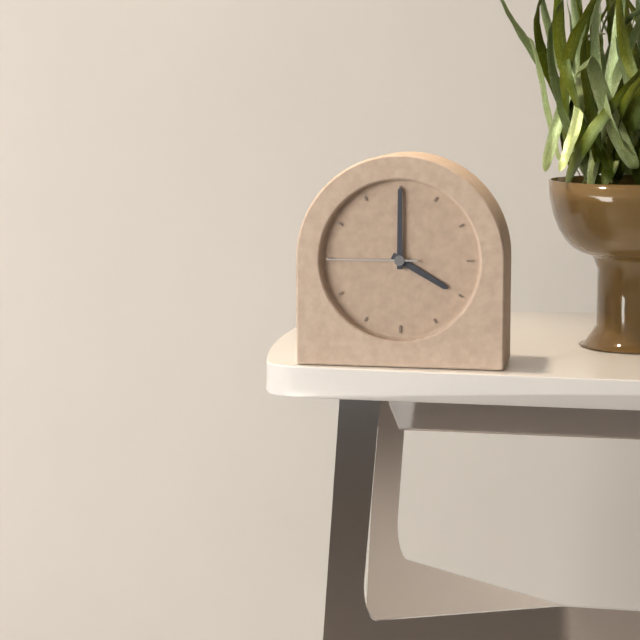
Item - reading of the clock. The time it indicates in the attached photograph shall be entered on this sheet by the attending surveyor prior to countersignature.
4:00:45
